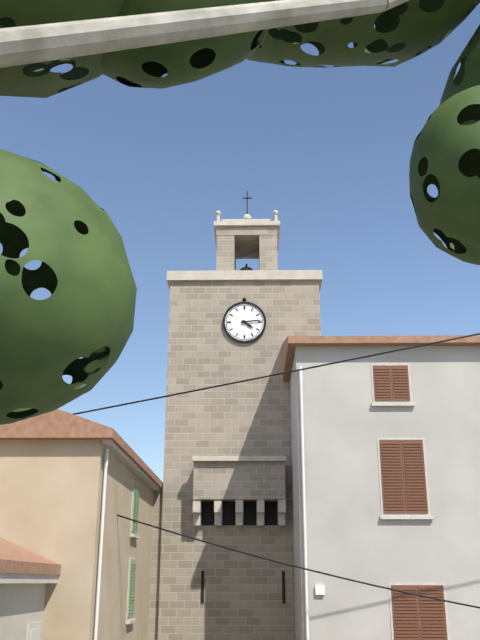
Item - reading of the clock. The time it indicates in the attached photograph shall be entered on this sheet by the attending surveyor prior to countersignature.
4:14
